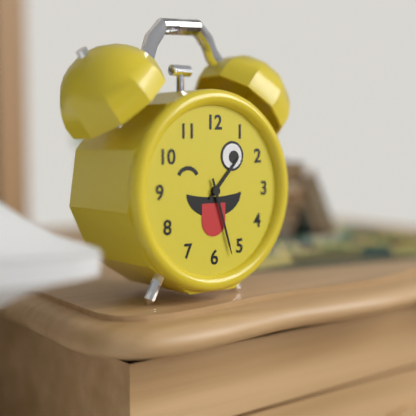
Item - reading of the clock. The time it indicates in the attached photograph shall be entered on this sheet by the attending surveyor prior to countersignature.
1:27
